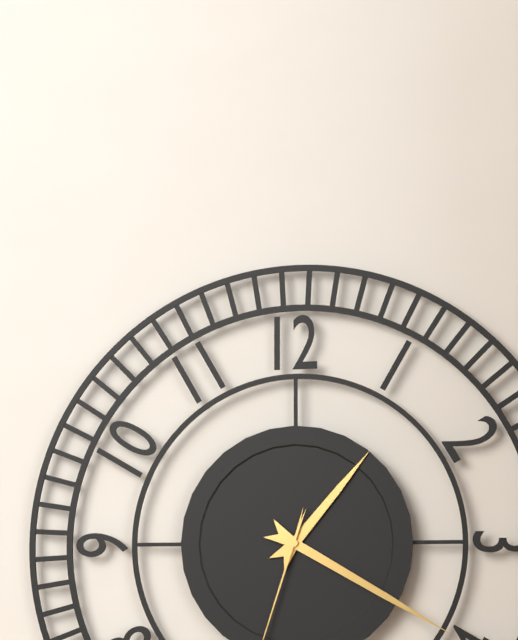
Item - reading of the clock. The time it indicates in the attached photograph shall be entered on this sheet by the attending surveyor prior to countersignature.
1:20
